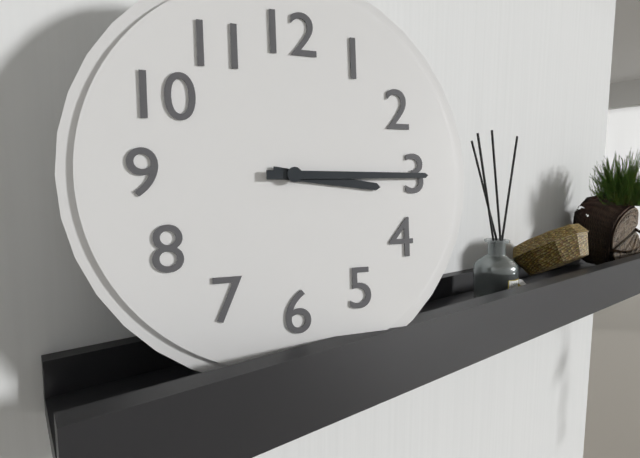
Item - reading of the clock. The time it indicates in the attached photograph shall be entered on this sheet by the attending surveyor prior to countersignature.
3:15
